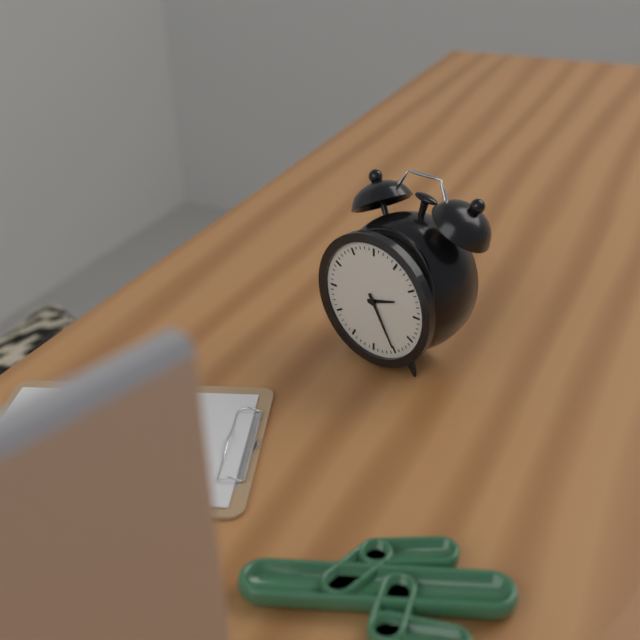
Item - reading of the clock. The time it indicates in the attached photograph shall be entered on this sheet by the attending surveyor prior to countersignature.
2:25
